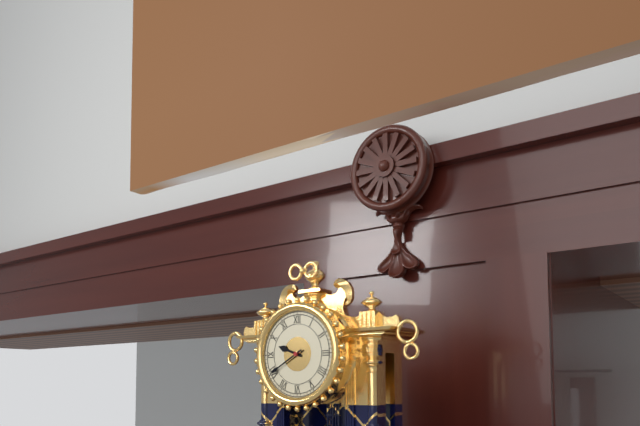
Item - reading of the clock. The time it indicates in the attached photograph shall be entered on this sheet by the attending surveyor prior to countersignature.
9:40
